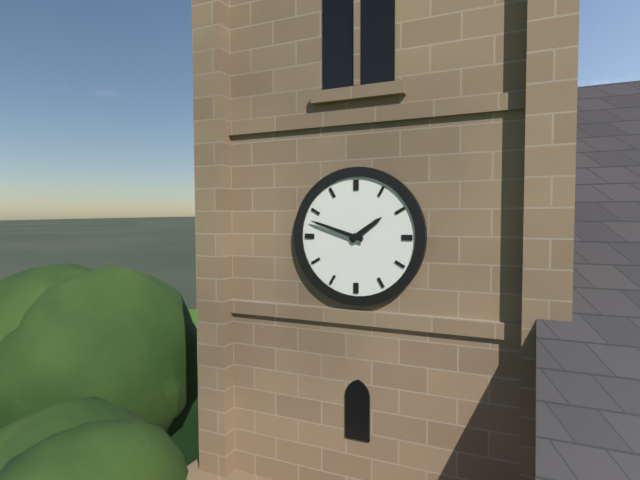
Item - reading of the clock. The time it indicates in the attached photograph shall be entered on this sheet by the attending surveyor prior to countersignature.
1:48
